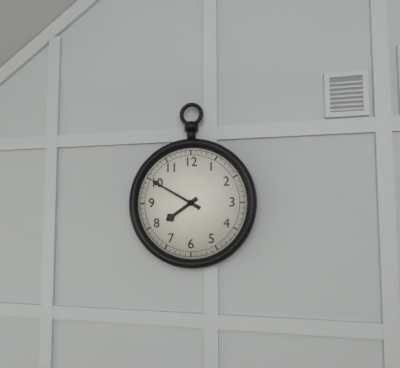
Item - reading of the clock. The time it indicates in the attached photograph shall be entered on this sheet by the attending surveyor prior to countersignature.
7:50
